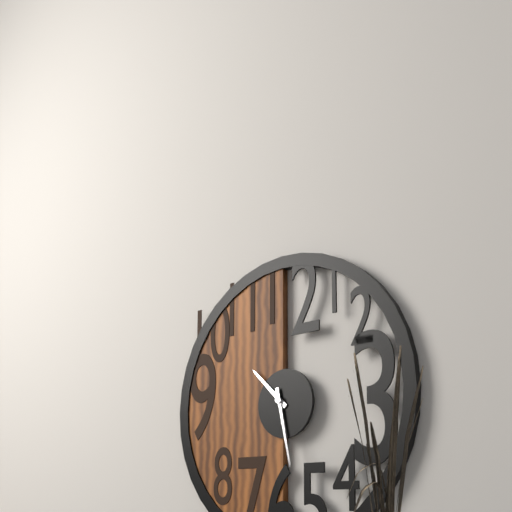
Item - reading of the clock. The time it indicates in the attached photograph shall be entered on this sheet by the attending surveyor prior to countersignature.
10:28
